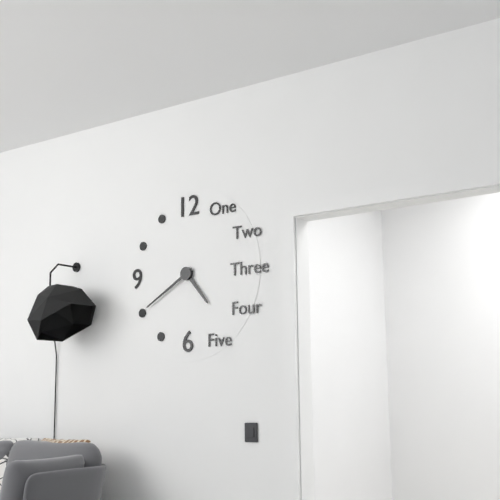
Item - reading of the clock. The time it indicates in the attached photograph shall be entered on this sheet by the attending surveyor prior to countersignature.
4:40
